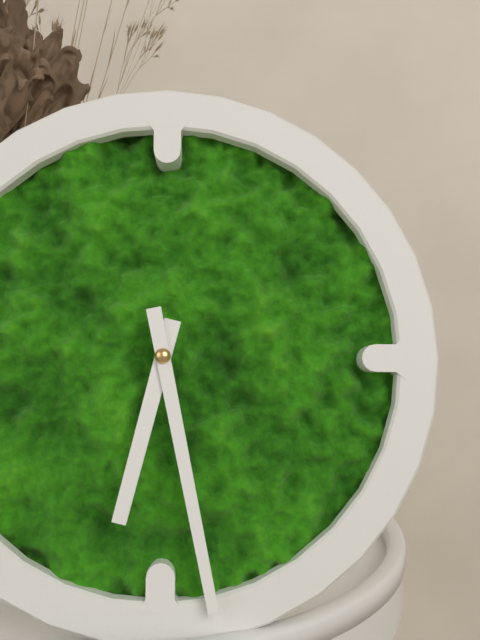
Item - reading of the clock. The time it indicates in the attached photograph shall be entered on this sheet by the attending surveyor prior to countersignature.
6:28
